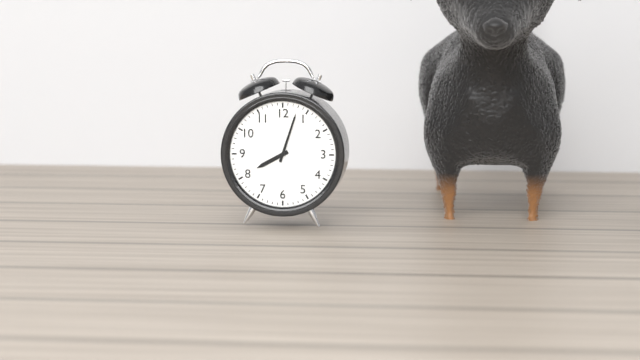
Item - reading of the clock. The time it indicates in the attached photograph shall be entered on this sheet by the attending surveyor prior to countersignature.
8:03
